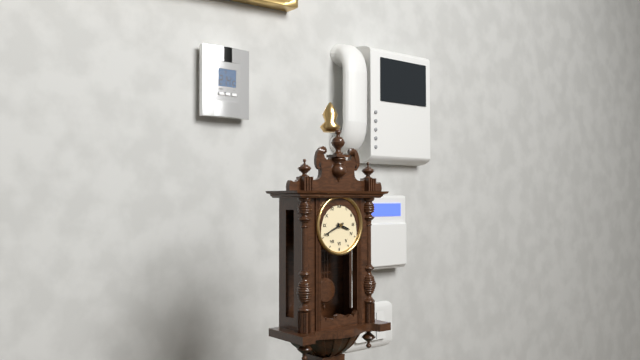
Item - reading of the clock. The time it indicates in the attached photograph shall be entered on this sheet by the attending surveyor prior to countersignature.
3:41
